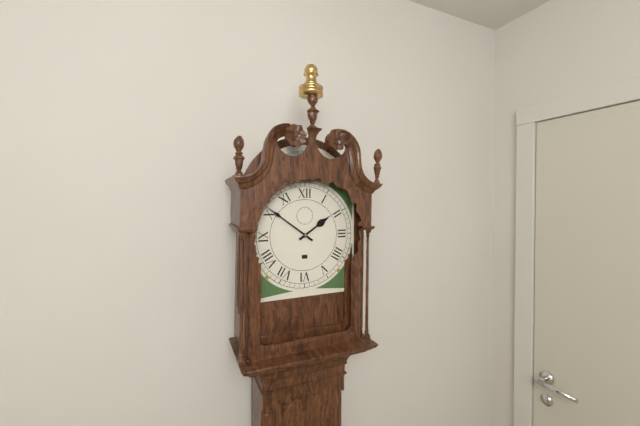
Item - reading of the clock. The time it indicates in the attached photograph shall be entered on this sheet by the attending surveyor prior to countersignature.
1:51
